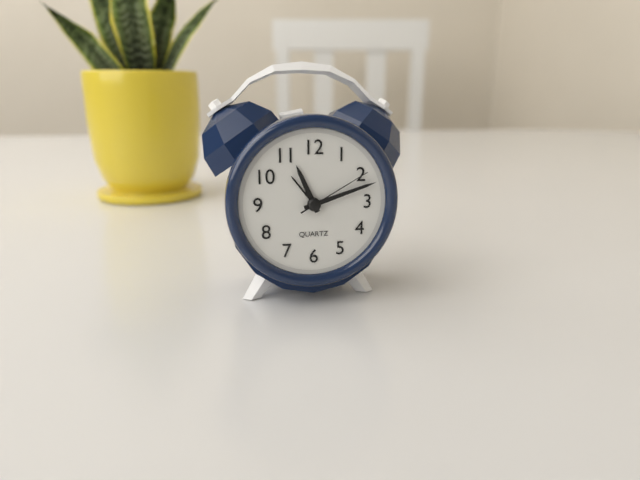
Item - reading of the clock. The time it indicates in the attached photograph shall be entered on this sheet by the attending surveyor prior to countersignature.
11:12:10
